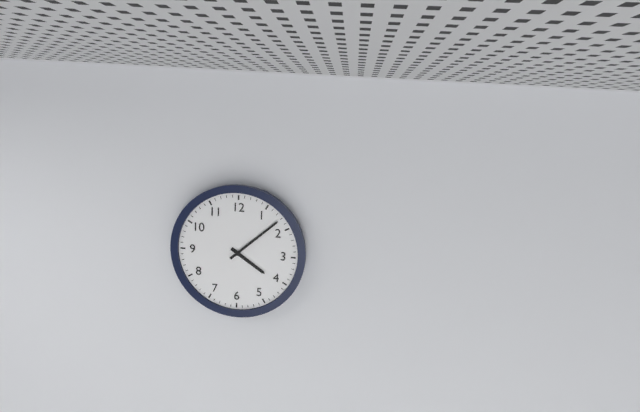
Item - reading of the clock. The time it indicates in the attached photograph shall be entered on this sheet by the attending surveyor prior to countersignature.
4:08
